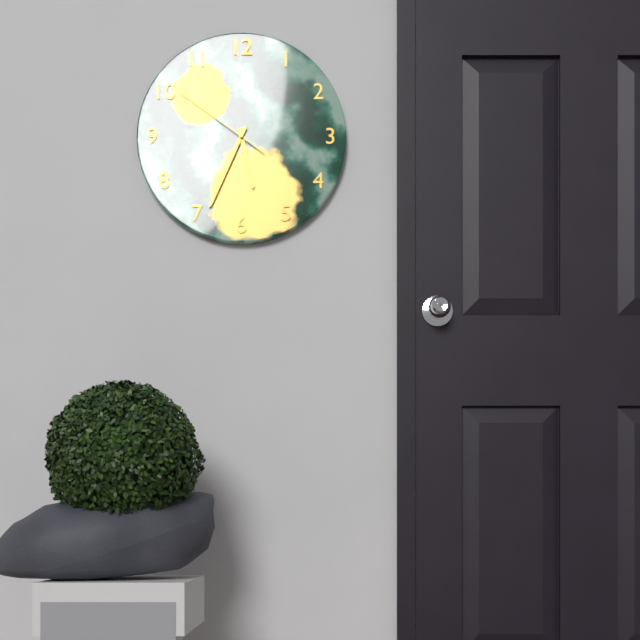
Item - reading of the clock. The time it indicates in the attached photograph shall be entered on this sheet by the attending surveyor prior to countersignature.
5:34:51
